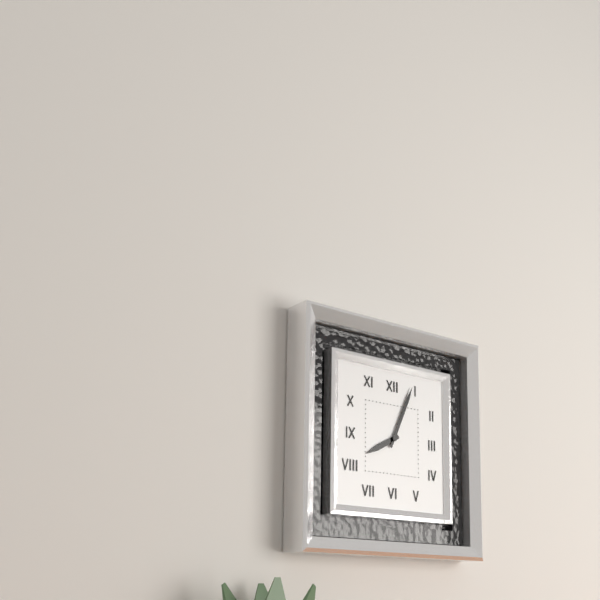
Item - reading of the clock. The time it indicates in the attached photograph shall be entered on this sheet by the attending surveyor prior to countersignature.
8:04
